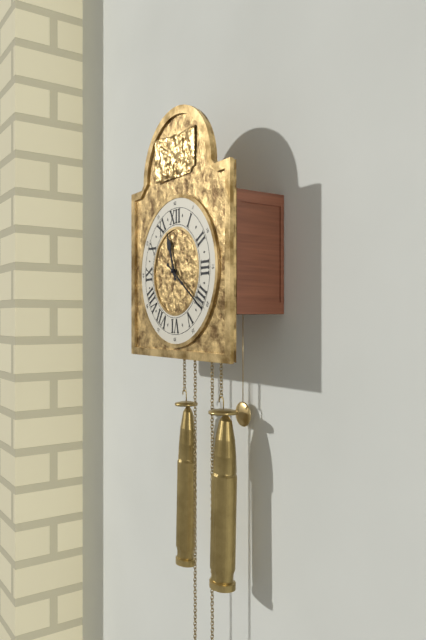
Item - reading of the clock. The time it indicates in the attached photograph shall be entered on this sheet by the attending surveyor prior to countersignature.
11:21
